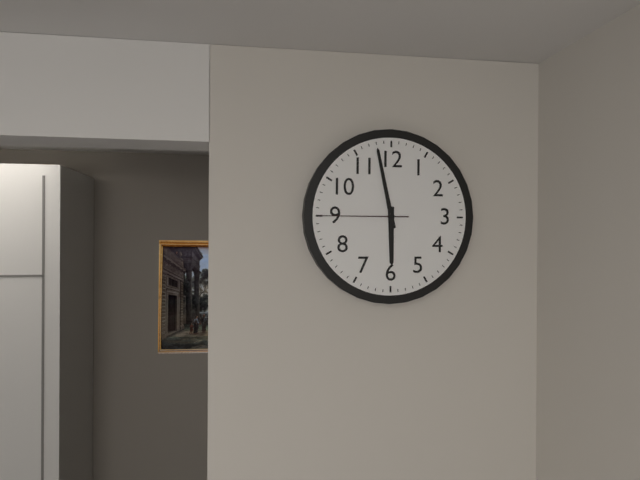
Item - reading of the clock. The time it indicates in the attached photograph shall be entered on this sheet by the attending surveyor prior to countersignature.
5:58:45
